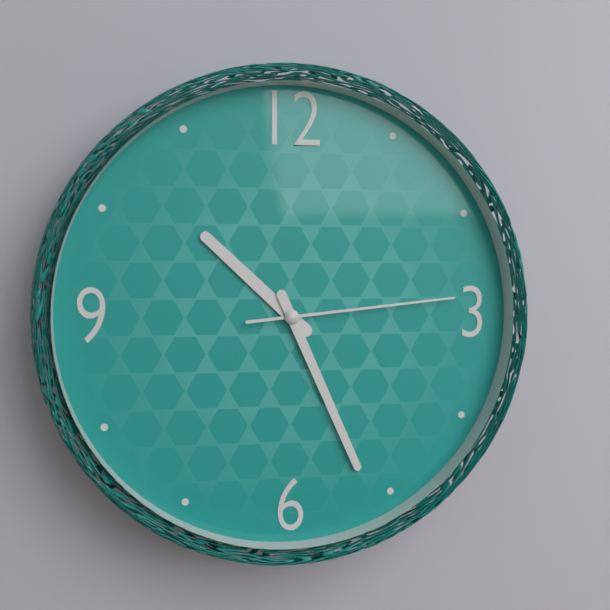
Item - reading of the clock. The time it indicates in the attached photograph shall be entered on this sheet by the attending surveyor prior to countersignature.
10:26:14
